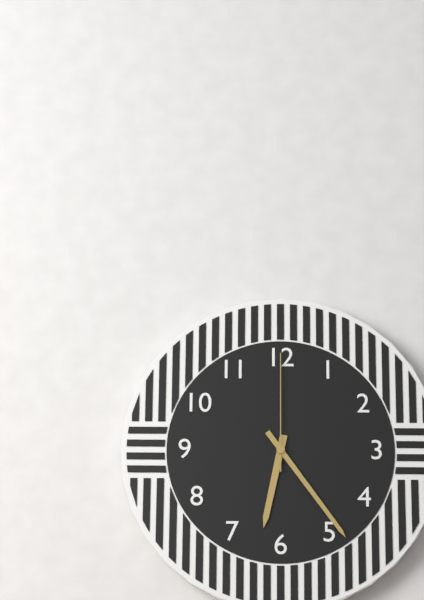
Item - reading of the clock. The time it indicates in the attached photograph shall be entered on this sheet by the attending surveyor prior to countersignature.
6:24:00
